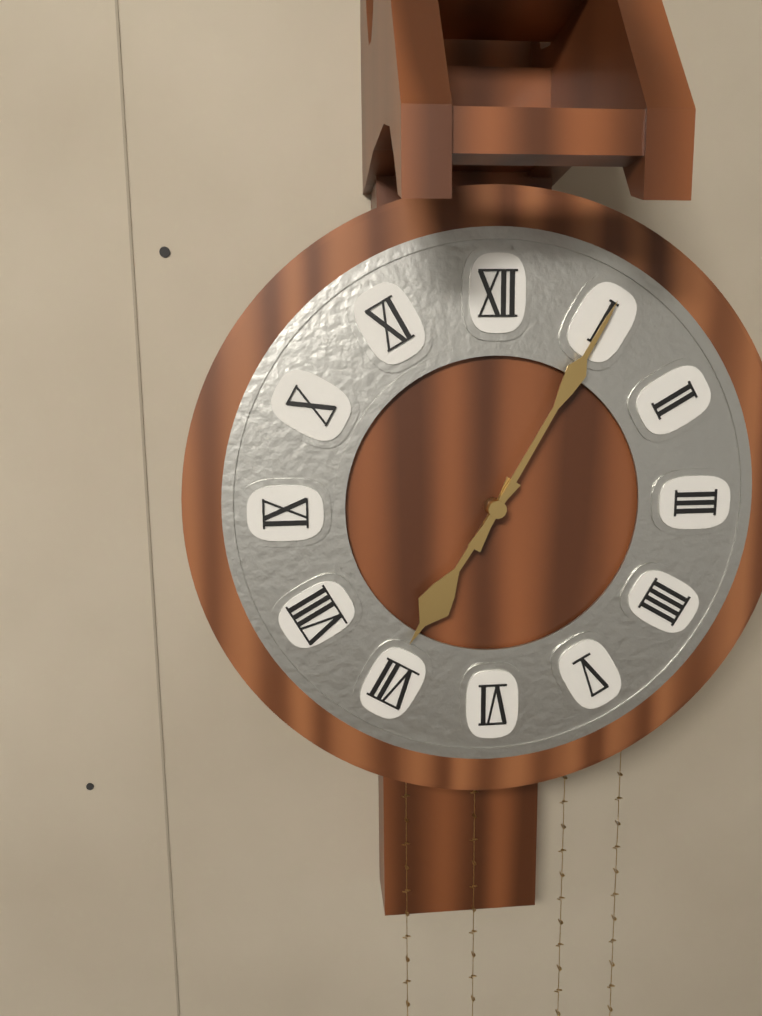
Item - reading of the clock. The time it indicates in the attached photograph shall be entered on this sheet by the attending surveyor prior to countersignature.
7:05
